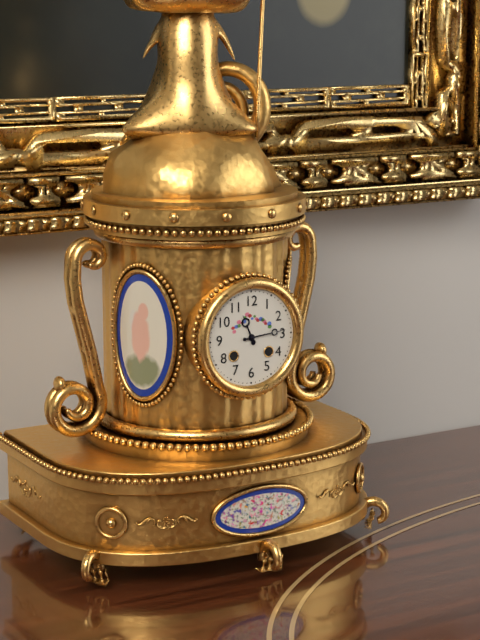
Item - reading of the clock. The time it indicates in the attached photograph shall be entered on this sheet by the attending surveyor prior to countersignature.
11:14
